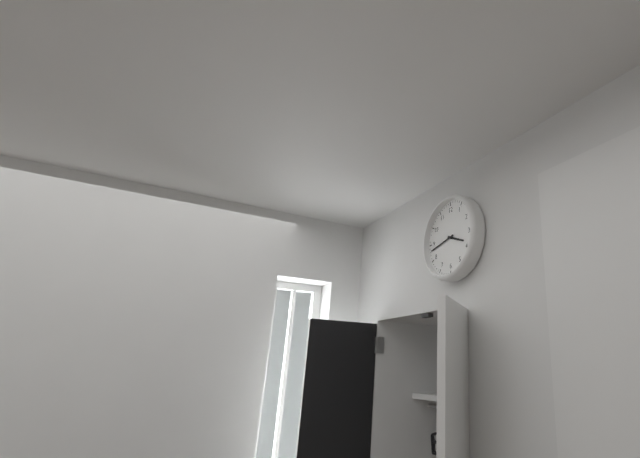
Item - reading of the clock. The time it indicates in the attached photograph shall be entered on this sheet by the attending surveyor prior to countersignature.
3:43
